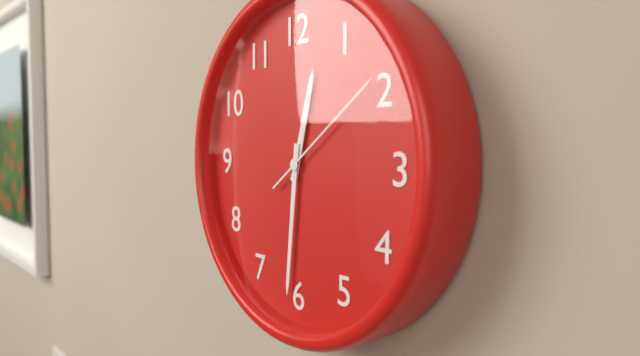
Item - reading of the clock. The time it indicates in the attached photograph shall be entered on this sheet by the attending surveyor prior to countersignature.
12:31:09
